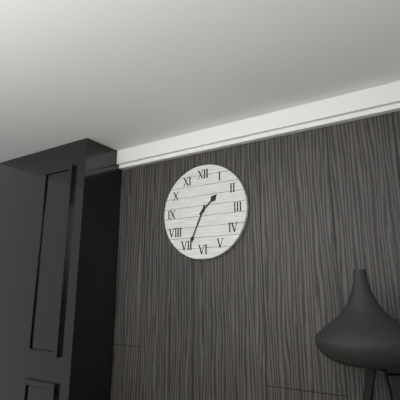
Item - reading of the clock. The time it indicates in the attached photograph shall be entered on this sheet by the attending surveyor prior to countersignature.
1:34
